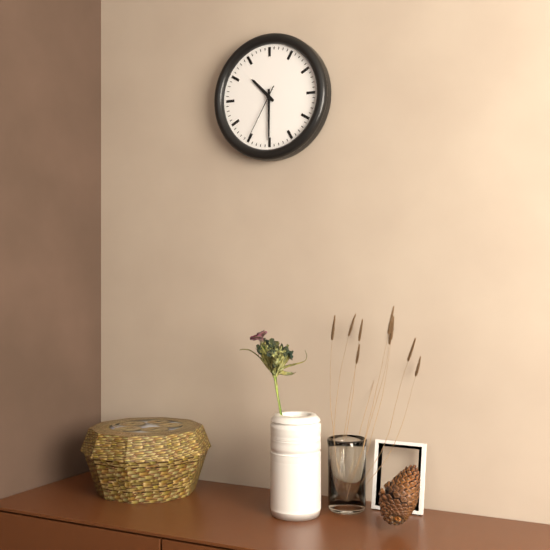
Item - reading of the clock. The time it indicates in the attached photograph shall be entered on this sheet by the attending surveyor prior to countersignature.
10:30:35
